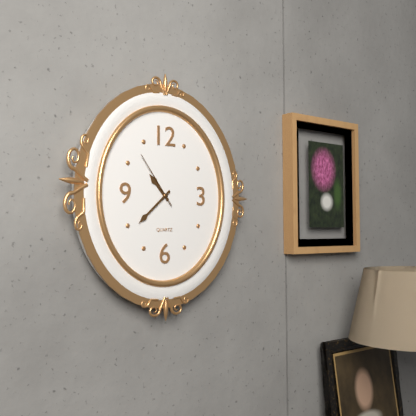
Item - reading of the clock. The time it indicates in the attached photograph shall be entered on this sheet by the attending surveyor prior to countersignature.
10:38:54
